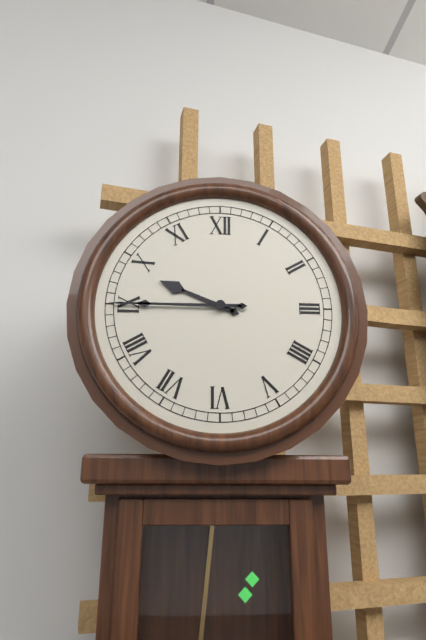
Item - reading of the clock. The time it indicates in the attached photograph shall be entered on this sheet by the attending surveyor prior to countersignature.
9:45
